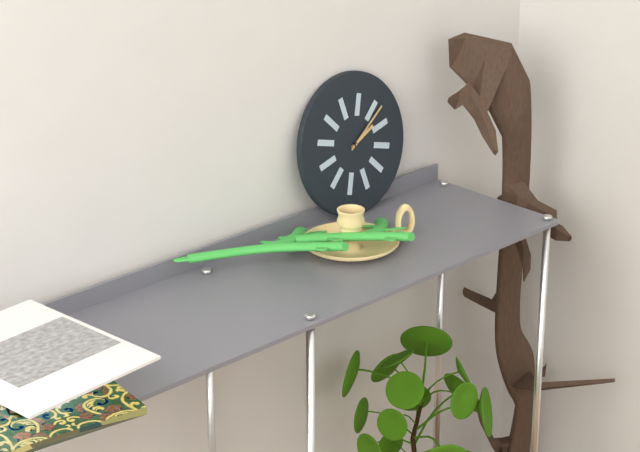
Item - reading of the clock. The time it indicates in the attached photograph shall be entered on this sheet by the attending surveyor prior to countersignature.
2:09
